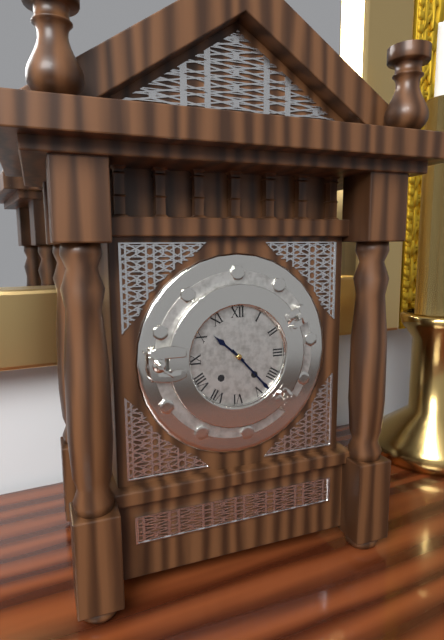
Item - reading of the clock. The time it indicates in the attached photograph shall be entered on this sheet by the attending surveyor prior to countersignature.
10:23
